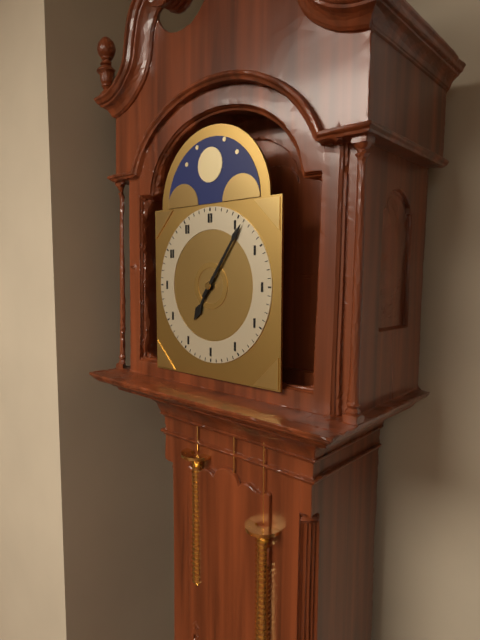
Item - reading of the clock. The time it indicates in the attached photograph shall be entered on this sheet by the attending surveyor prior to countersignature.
7:06
